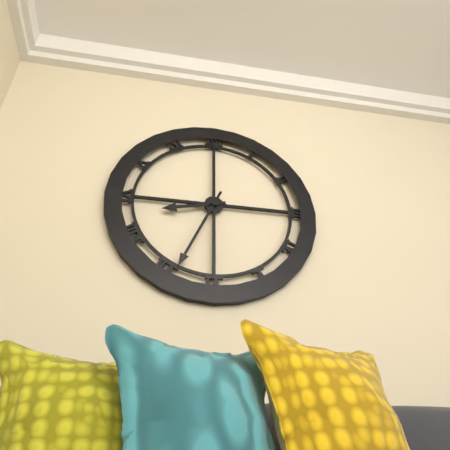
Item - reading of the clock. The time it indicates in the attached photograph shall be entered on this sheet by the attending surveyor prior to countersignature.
8:34
